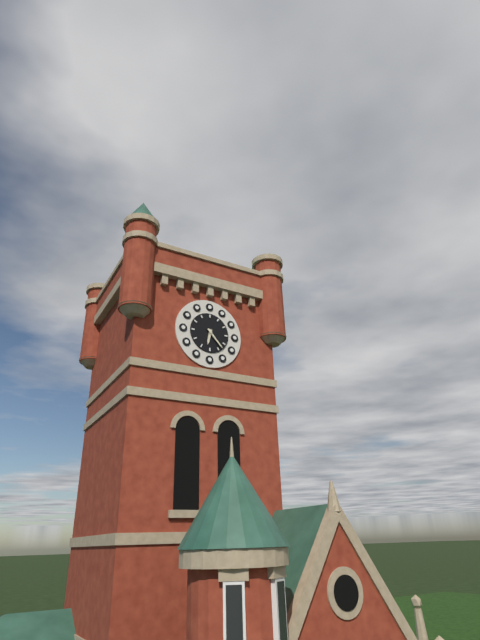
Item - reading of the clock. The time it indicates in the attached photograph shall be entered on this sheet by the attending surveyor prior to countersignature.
6:23
